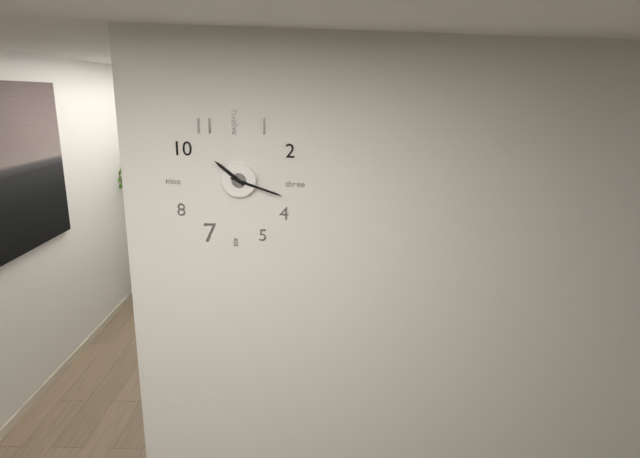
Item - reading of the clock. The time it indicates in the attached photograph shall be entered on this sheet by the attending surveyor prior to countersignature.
10:18
